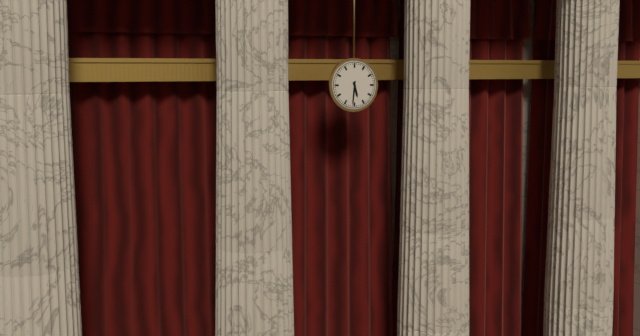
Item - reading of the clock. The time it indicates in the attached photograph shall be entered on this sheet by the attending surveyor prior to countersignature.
5:31
